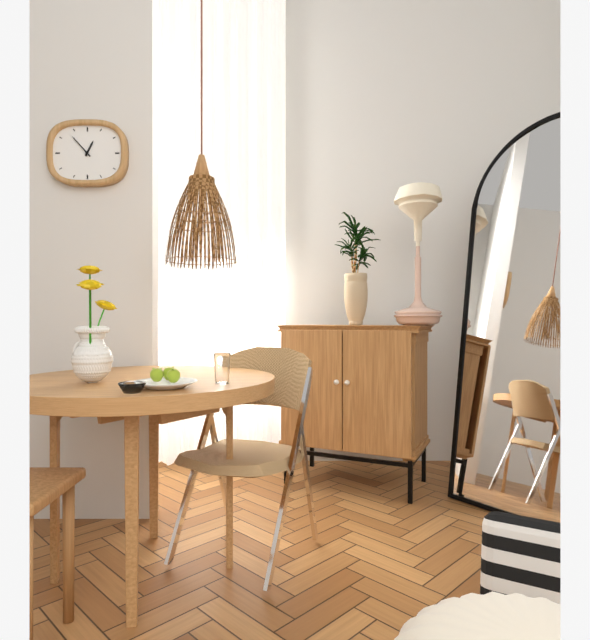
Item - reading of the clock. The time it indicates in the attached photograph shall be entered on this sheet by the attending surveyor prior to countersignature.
12:53
